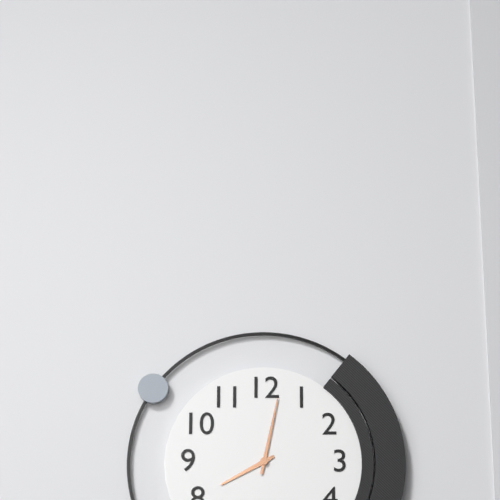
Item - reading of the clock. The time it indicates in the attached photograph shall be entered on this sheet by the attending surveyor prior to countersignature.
8:02
